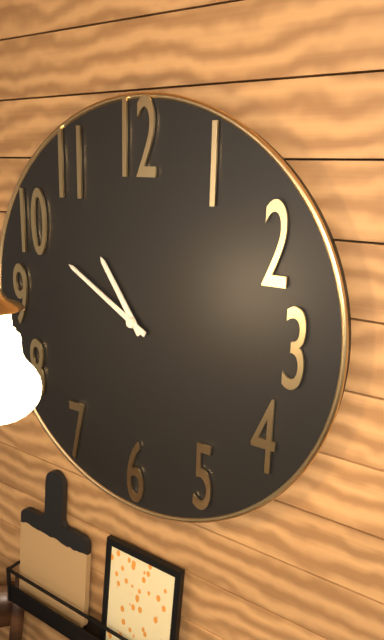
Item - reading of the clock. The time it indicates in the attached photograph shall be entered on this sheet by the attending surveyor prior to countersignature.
10:50
